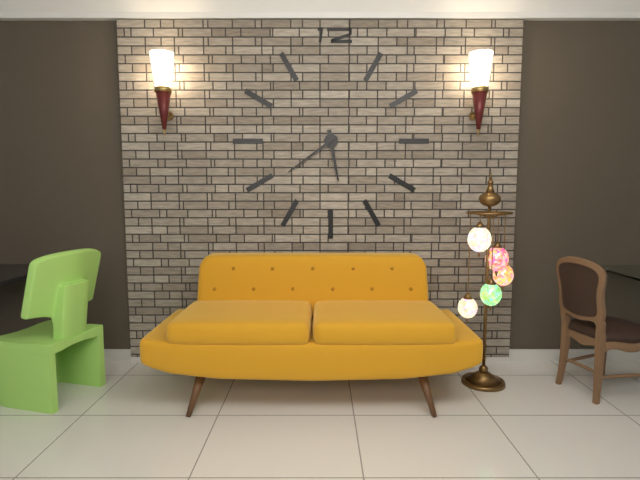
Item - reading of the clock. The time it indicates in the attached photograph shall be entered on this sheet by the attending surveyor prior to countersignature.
5:39
